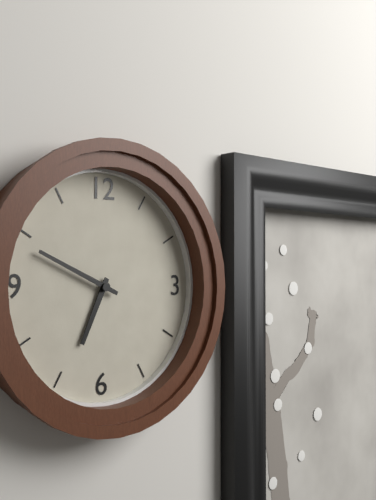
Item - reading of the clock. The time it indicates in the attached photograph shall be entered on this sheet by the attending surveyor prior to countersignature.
6:49
